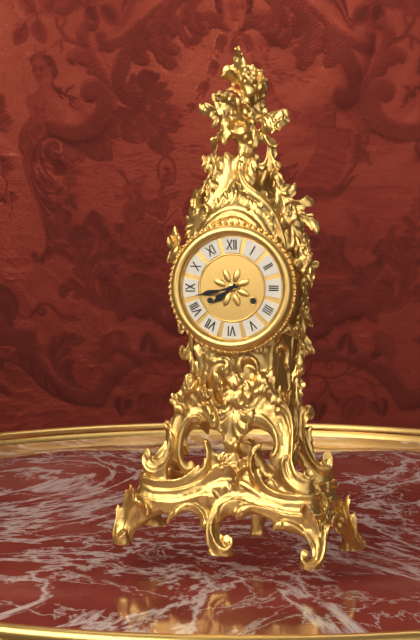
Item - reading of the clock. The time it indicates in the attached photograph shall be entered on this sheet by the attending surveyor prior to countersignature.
7:43
